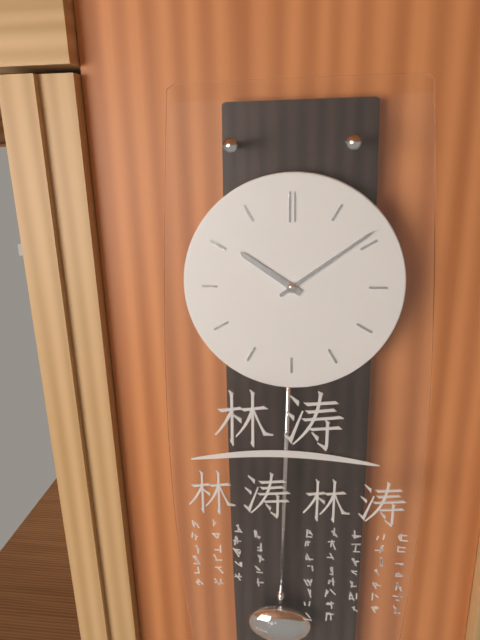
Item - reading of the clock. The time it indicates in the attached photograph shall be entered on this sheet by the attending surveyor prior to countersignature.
10:09
